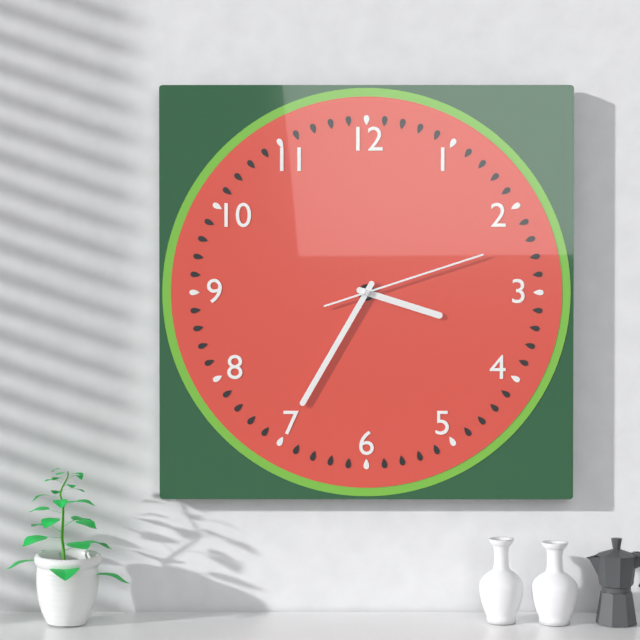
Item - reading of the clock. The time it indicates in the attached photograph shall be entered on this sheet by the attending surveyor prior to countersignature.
3:35:12
